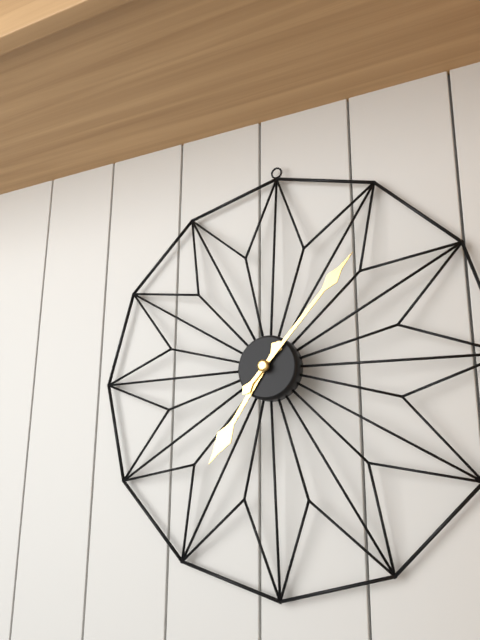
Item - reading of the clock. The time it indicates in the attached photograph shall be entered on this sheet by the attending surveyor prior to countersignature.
7:07
